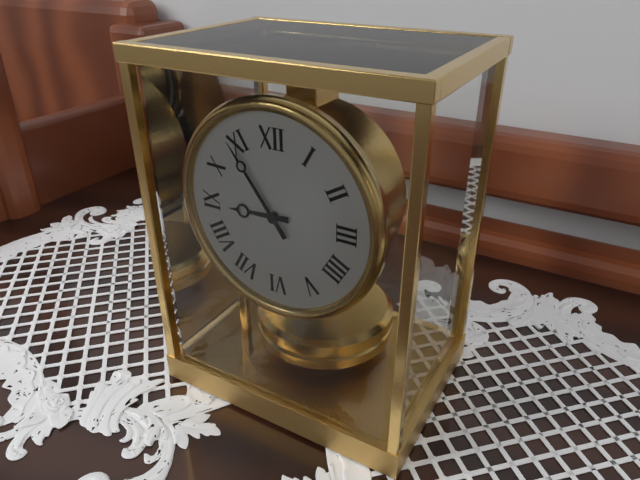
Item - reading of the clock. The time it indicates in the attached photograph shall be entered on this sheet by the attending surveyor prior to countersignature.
8:54
